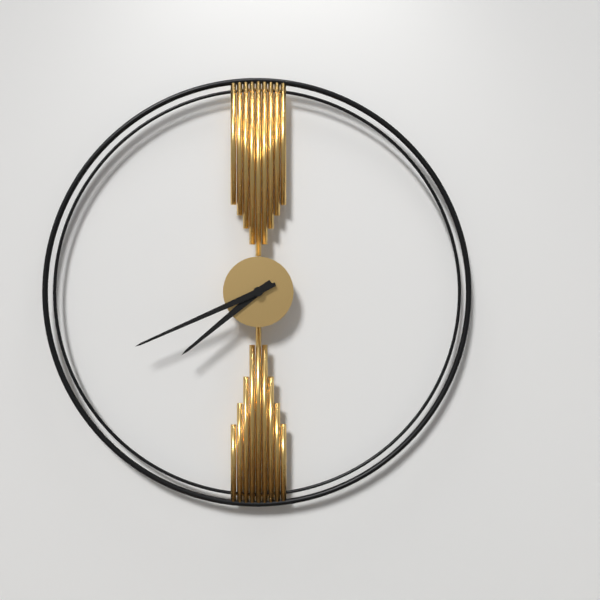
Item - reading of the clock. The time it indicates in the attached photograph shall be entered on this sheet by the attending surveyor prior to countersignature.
7:41
